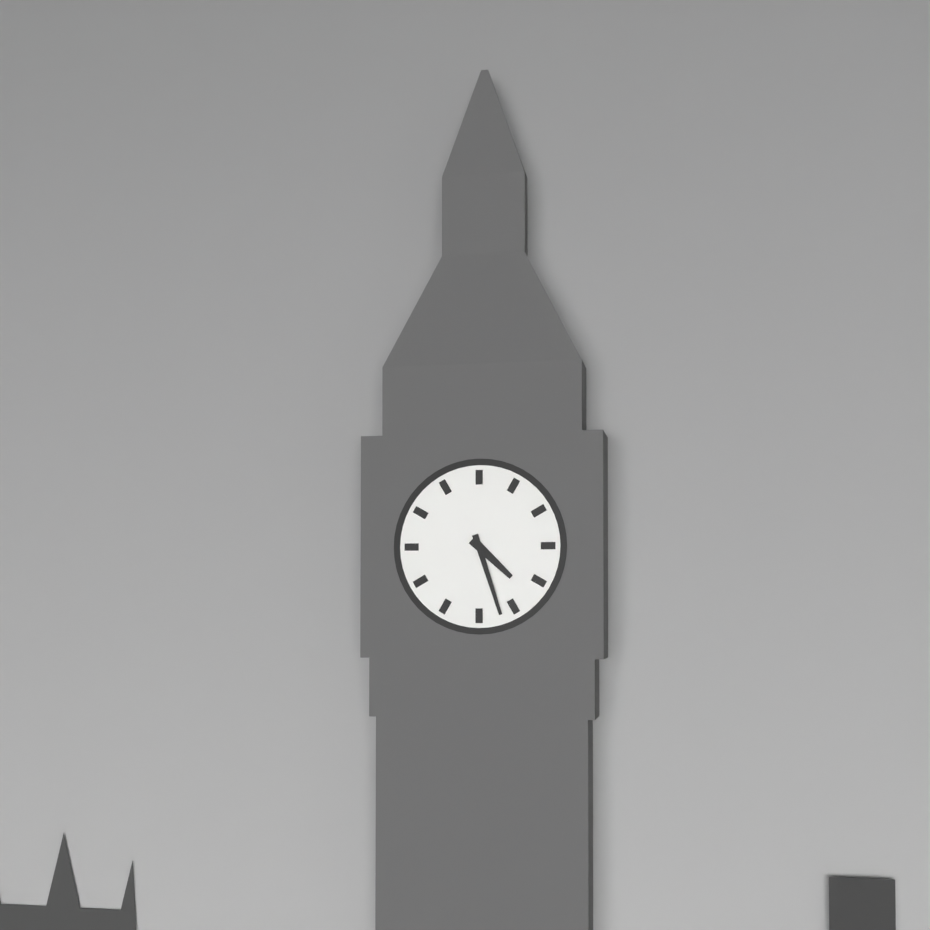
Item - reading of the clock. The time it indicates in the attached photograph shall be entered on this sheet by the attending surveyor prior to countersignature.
4:27
